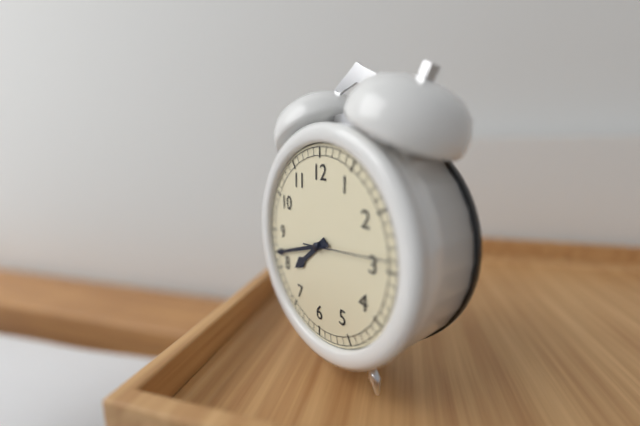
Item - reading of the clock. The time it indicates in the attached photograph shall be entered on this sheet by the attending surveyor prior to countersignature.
7:42:14
